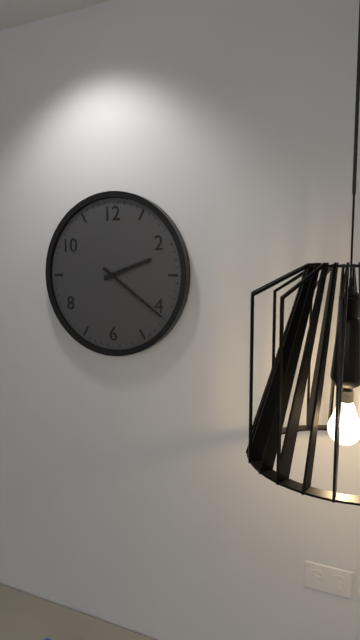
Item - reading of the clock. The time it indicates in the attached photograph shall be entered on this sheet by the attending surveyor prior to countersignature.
2:21
